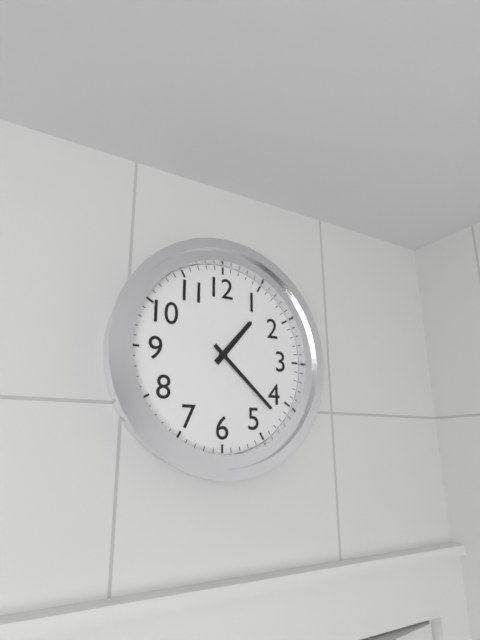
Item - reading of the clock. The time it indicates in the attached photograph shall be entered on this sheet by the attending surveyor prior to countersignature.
1:22
